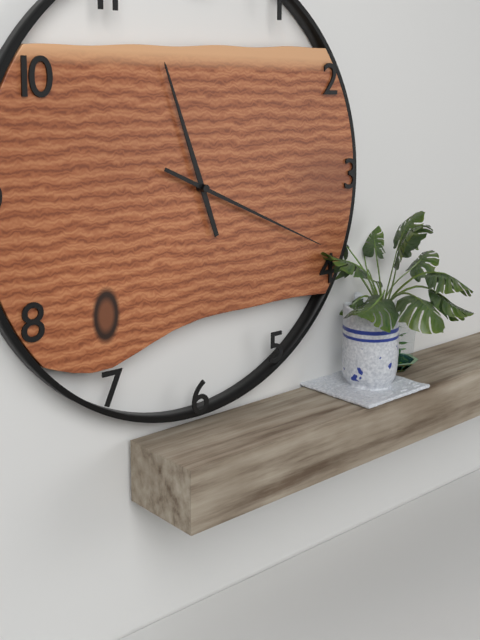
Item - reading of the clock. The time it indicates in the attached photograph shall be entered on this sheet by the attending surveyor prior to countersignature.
11:19
